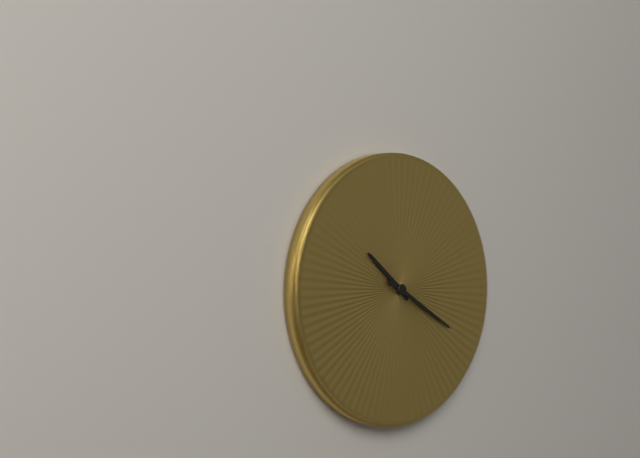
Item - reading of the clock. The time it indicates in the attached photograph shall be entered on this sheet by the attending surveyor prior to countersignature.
10:20
